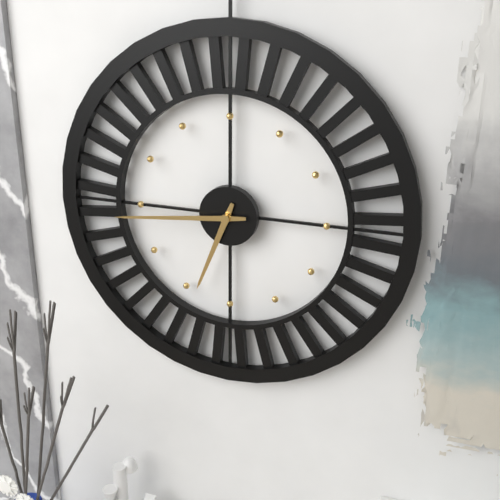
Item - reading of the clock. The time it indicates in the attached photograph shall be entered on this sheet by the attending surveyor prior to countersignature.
6:44
